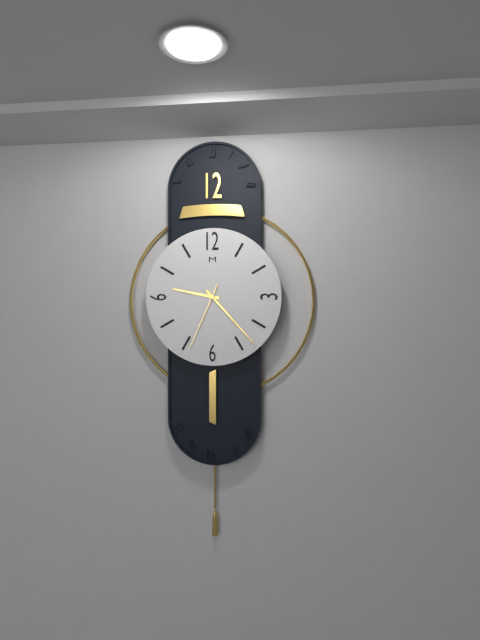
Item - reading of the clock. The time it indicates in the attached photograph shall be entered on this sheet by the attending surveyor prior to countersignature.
9:23:34
